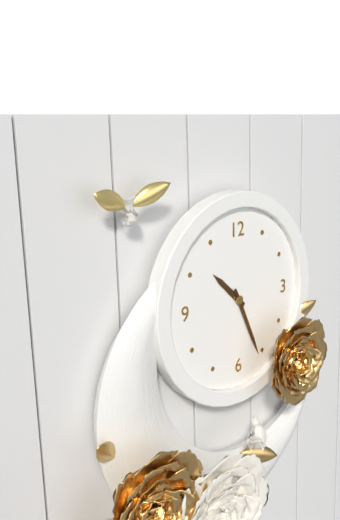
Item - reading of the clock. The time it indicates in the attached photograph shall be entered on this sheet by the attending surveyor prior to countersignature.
10:26
